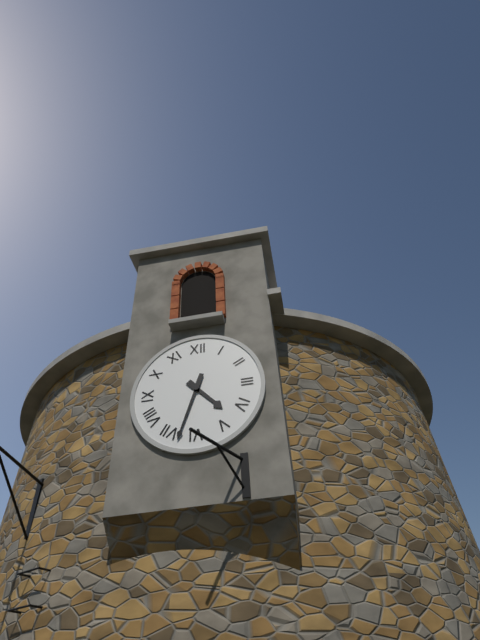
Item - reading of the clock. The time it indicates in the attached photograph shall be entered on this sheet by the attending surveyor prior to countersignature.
4:33
